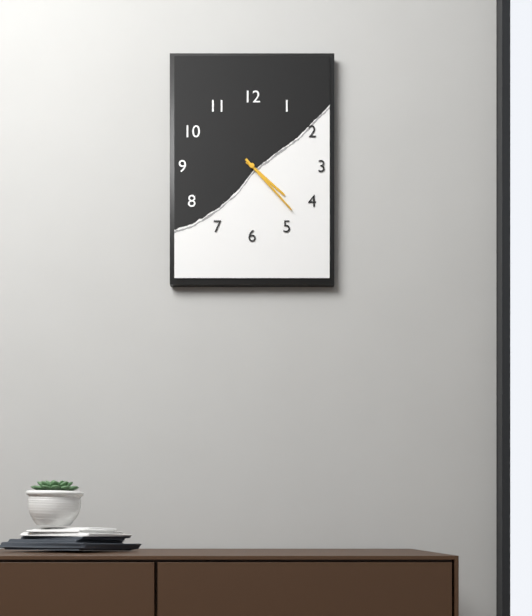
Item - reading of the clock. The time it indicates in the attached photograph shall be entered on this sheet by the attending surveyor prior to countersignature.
4:23
